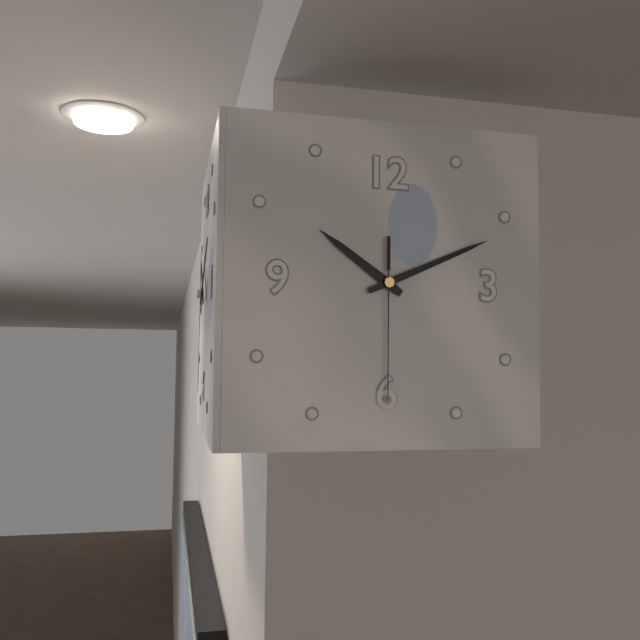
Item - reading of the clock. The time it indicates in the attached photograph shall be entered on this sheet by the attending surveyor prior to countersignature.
10:11:30
